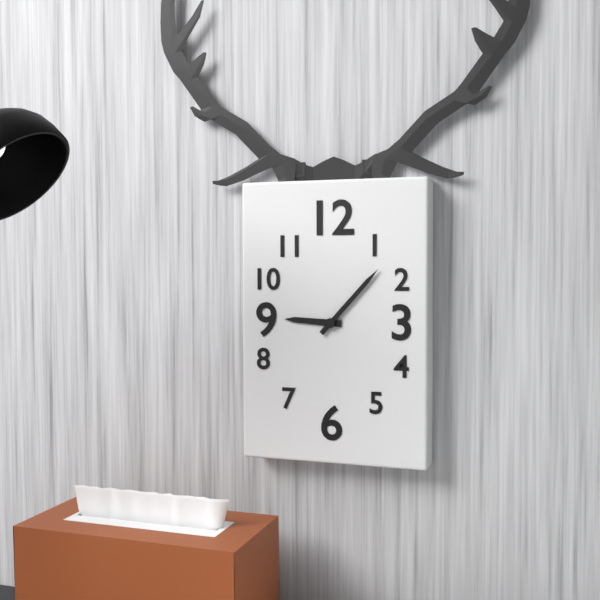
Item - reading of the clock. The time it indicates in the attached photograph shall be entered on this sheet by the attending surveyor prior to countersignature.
9:07
